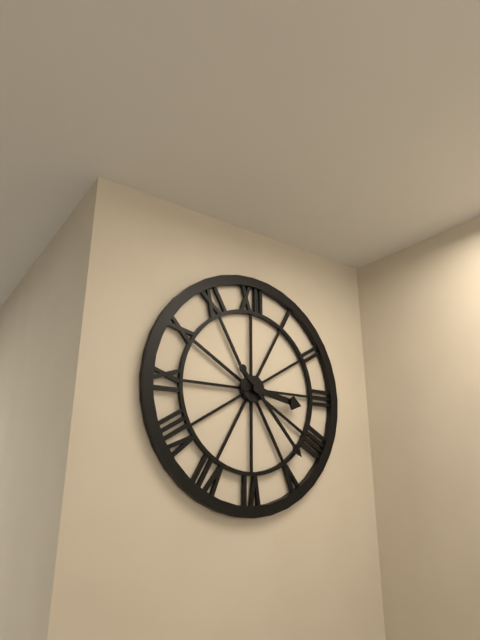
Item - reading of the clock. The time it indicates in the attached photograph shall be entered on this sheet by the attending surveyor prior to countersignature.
3:23
